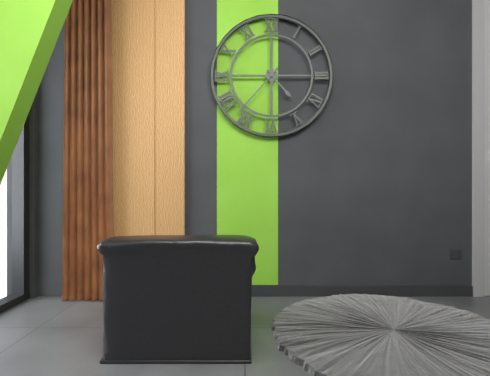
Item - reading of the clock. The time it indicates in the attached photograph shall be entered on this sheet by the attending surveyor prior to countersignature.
4:37
